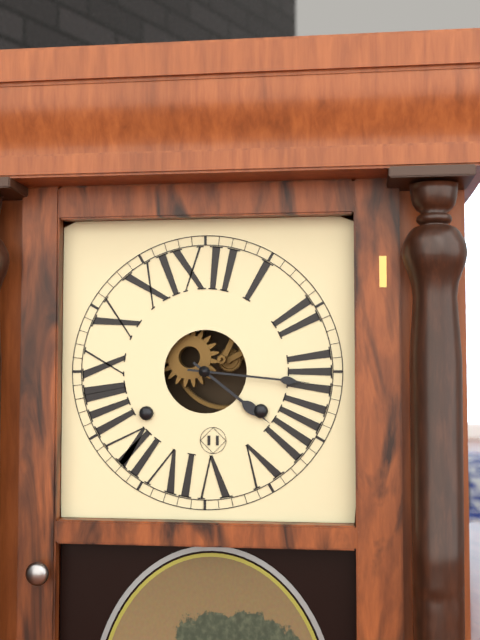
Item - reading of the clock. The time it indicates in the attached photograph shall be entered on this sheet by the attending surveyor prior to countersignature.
4:16
